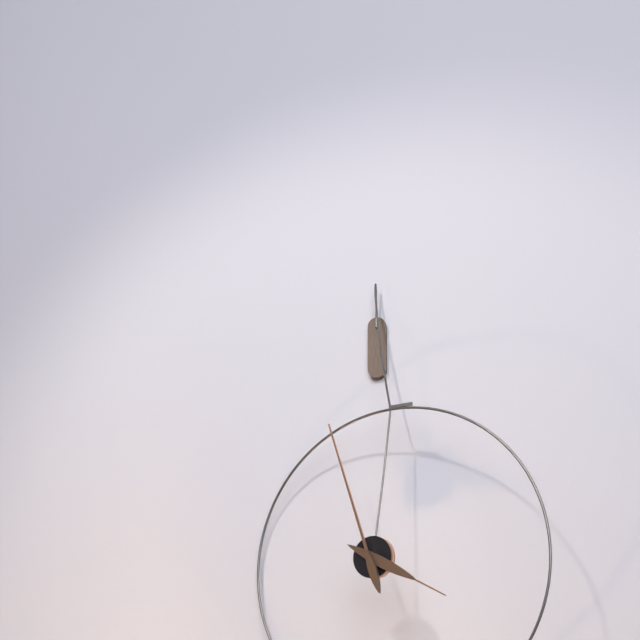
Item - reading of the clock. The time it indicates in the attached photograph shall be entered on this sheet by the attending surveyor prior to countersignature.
3:57
